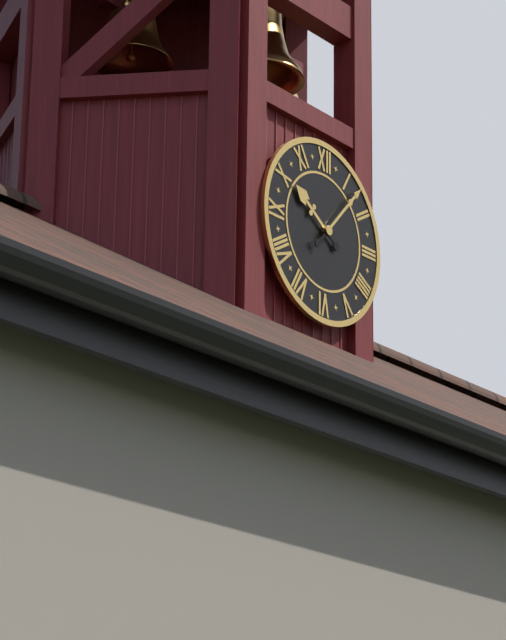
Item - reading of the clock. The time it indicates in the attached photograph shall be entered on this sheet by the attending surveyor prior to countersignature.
10:07
